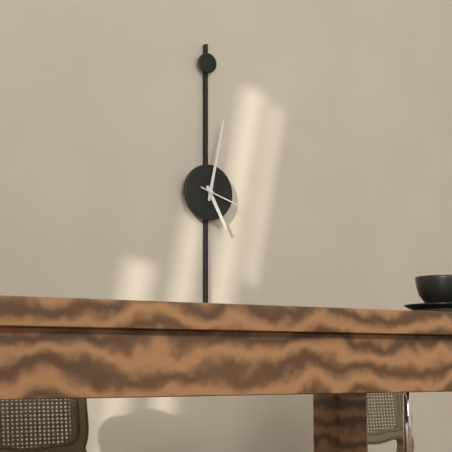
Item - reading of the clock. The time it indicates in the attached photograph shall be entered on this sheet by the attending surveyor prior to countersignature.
5:02
